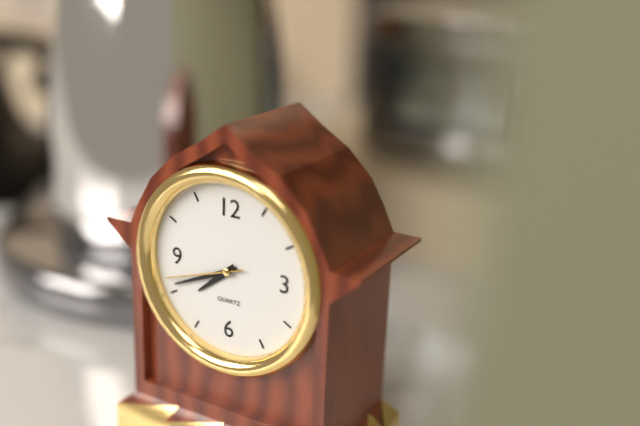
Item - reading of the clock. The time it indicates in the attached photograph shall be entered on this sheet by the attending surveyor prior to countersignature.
7:41:42
